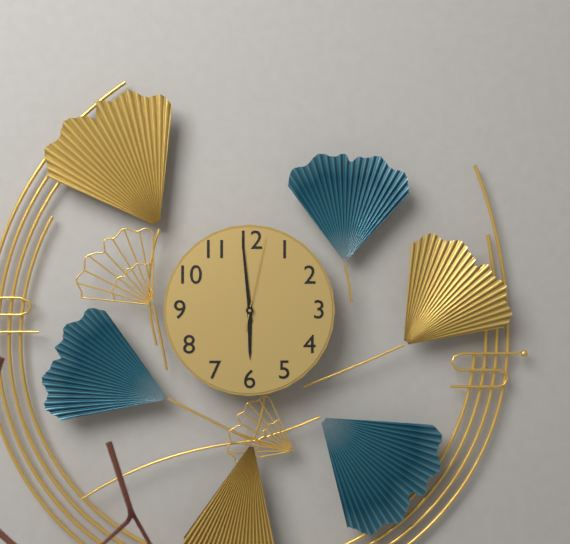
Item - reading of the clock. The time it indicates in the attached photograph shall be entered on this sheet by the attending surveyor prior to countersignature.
5:59:02
